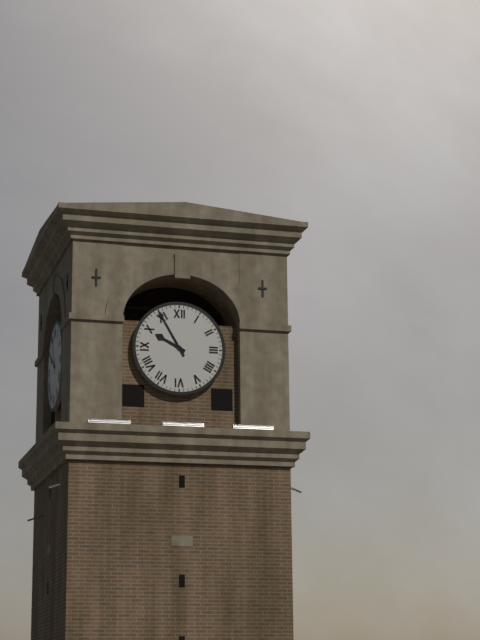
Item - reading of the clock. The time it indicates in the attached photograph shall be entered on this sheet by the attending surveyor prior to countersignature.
9:55
